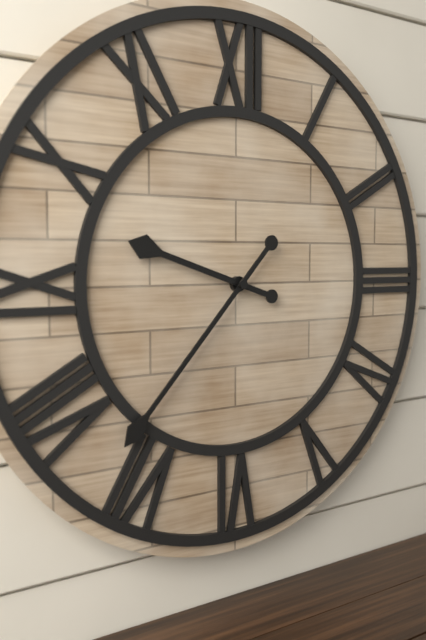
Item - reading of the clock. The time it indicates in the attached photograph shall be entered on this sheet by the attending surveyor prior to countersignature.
9:37
